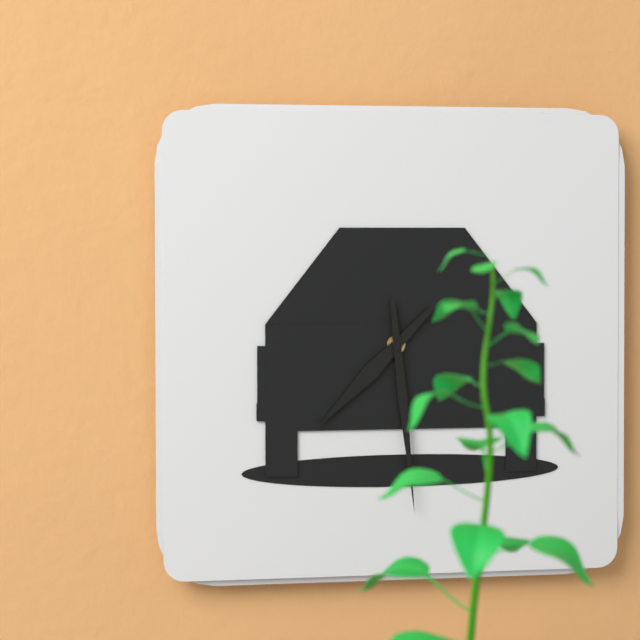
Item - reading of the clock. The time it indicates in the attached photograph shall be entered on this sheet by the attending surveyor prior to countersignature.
7:29
